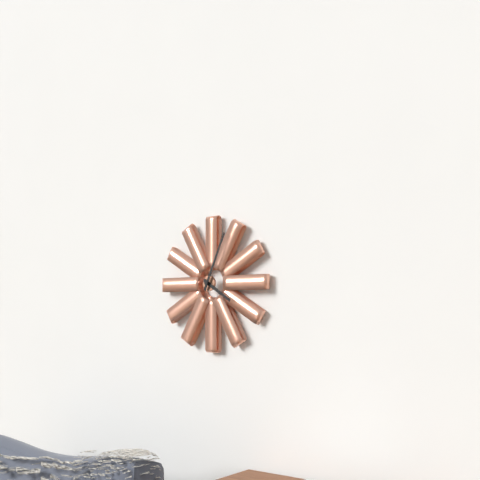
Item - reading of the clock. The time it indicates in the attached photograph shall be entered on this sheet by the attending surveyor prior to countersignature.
4:04
